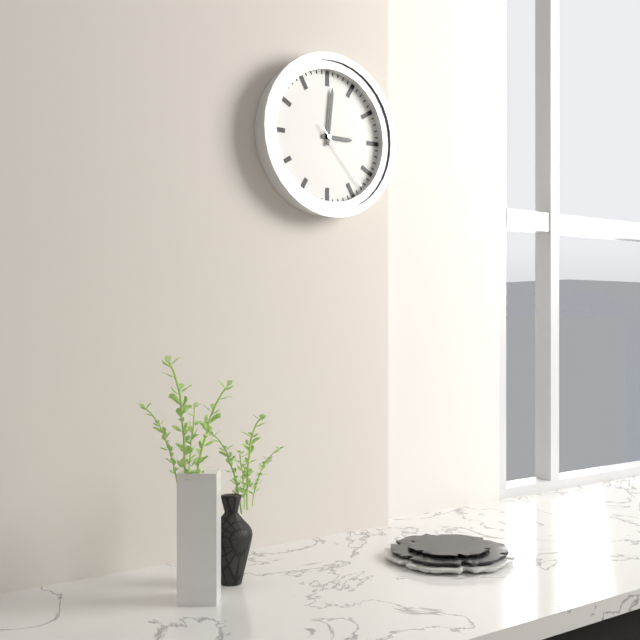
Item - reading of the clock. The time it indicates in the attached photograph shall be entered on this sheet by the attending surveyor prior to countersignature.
3:01:23
